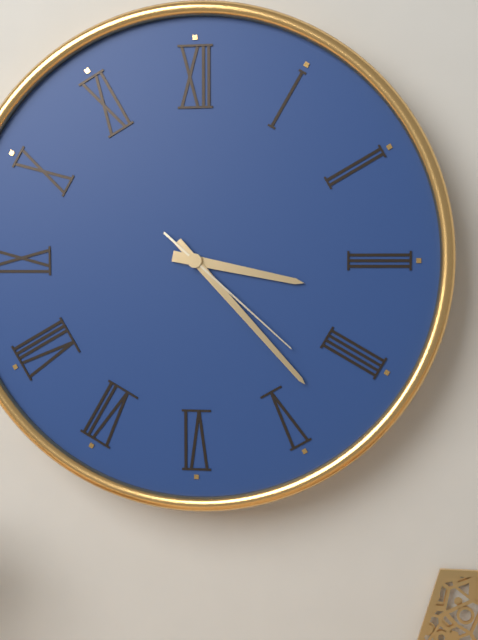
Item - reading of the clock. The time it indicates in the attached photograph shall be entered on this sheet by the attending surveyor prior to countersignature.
3:23:22
